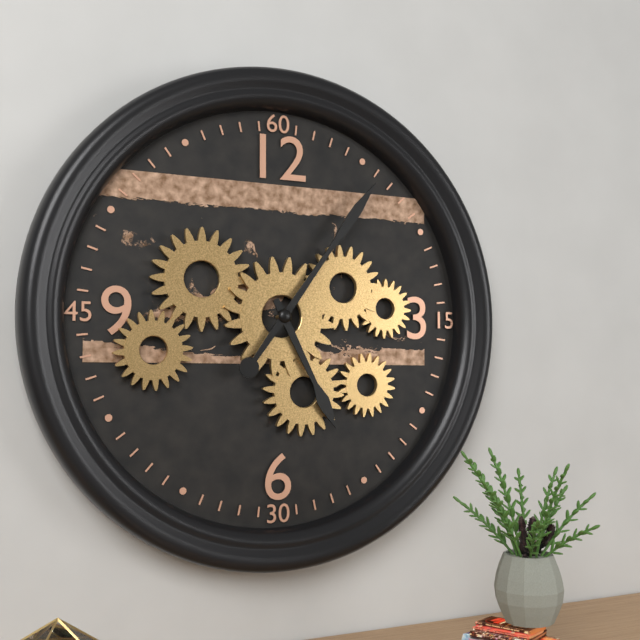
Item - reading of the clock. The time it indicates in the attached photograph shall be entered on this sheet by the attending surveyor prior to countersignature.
5:06
